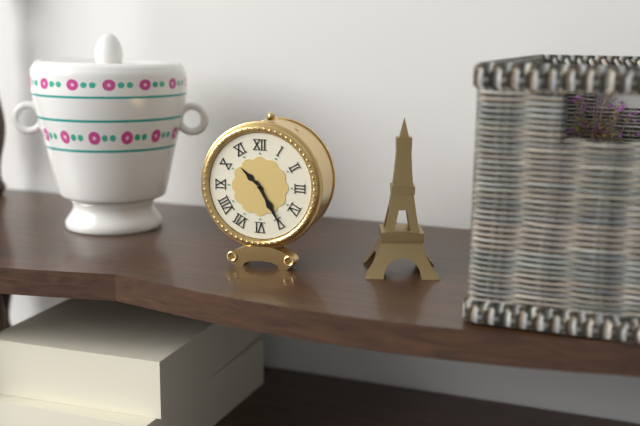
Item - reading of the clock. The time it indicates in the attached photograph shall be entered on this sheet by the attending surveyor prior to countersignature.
10:25
